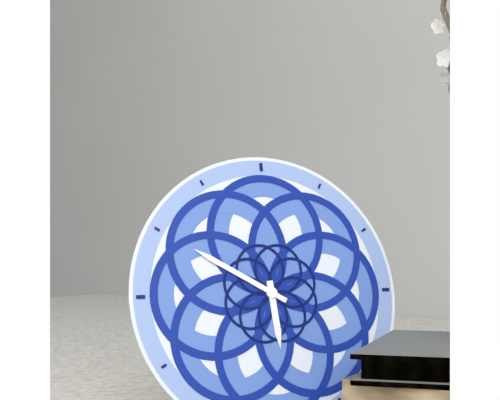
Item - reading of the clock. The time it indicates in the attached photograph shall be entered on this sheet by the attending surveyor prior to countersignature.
5:50
